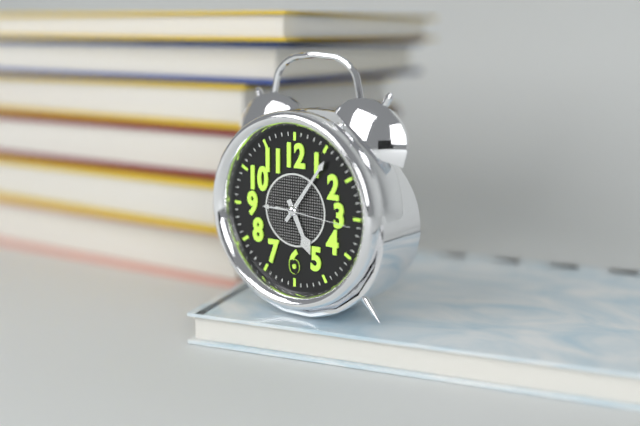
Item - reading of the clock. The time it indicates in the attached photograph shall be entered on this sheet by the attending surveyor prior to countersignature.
5:06:16
